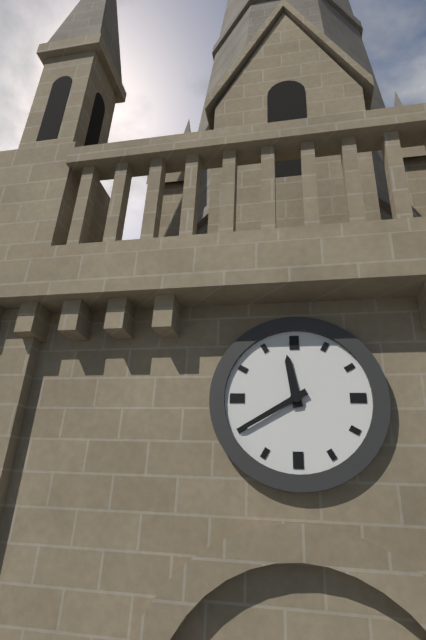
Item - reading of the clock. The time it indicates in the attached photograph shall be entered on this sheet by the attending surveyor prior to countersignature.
11:40
